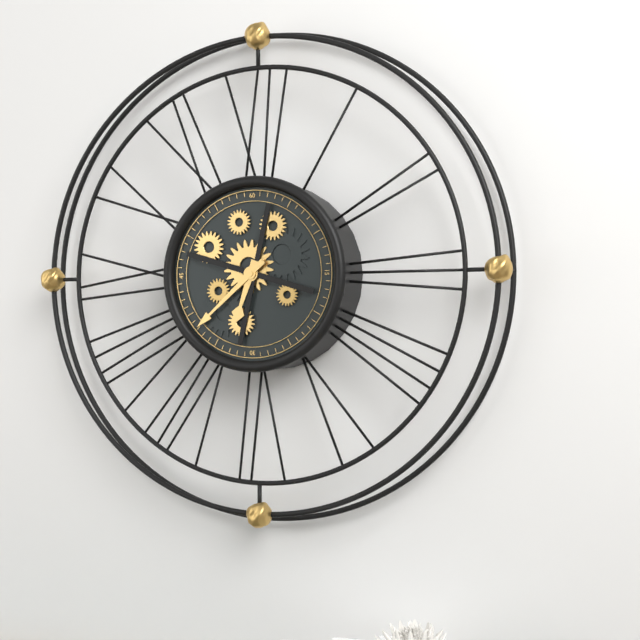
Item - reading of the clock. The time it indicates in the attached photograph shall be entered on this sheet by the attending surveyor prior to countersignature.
6:38
